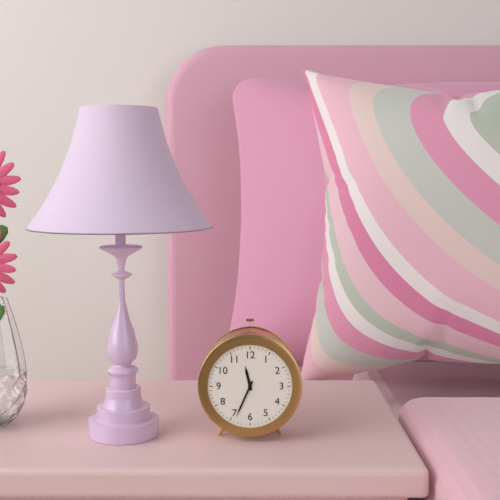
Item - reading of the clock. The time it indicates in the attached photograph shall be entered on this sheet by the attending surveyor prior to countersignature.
11:34
